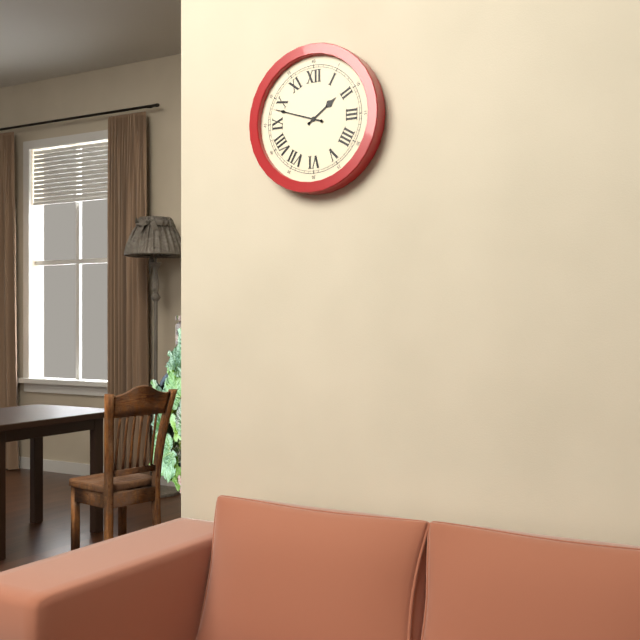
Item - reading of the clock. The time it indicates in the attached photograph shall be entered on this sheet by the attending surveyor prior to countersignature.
1:48
